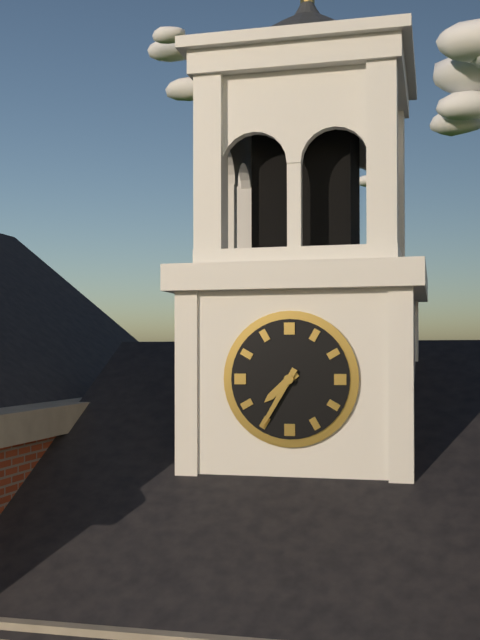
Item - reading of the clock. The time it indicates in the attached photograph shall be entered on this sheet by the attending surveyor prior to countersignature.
7:35
